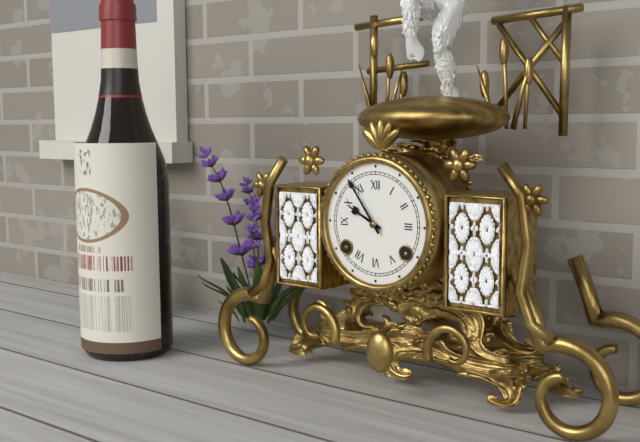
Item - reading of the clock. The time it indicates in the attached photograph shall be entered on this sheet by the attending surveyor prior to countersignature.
9:54
